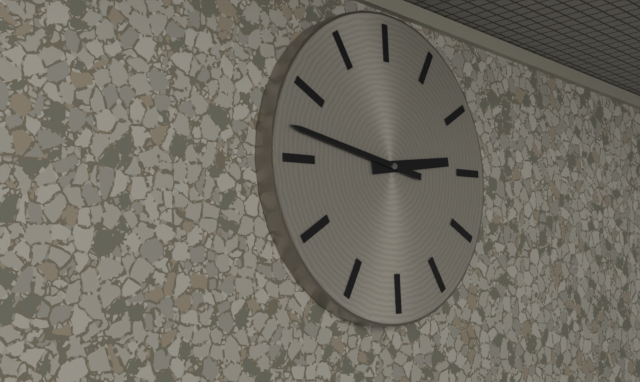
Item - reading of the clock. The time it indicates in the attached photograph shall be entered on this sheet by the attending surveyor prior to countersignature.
2:47
